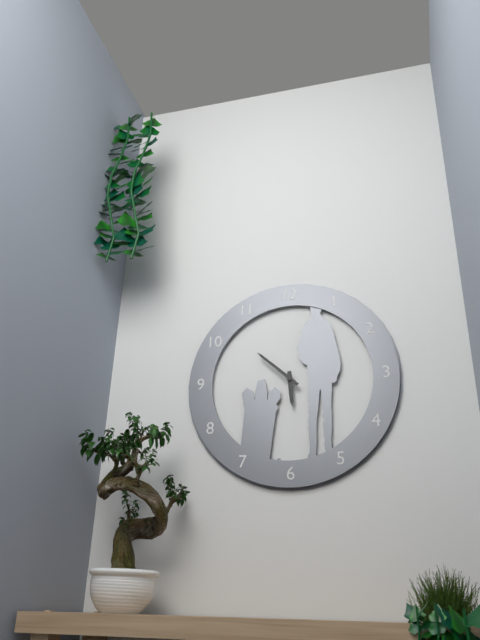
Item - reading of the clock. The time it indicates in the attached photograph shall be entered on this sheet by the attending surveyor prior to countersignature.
5:52
